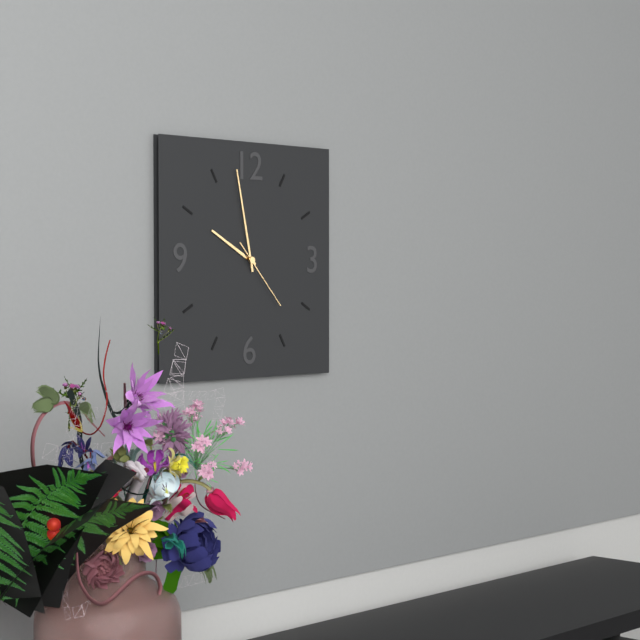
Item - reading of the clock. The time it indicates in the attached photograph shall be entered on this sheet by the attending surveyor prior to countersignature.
9:58:23
